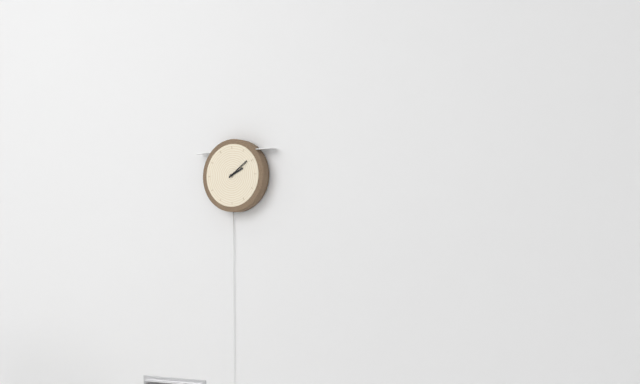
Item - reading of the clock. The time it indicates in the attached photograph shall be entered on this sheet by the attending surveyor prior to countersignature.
2:09
